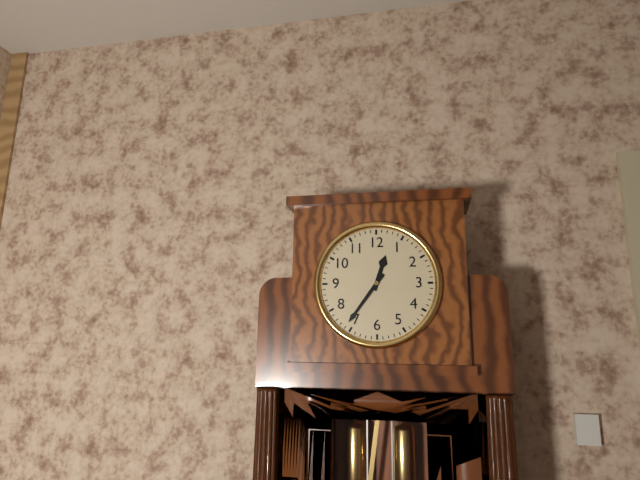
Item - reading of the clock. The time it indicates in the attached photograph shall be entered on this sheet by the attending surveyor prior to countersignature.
12:36
